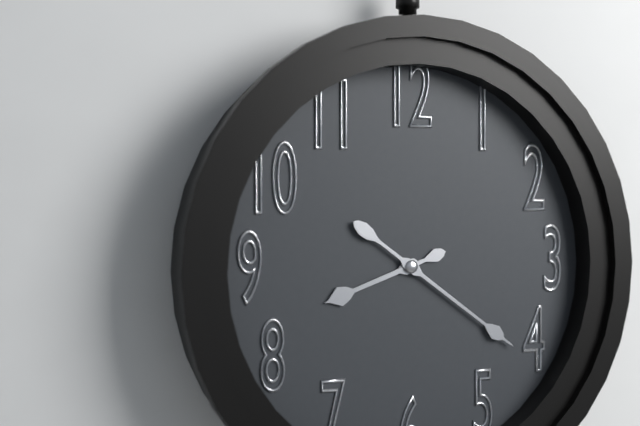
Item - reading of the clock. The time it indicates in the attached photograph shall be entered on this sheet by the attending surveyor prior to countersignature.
8:21
